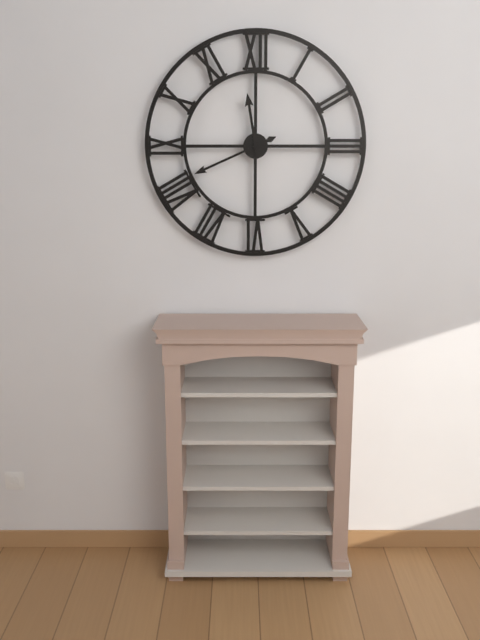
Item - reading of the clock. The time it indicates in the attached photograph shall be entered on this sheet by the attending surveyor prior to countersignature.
11:41
